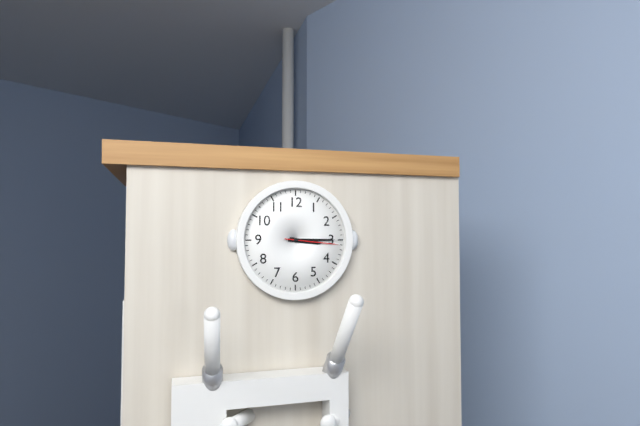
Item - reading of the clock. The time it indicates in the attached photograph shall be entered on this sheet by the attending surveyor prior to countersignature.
3:15:16
